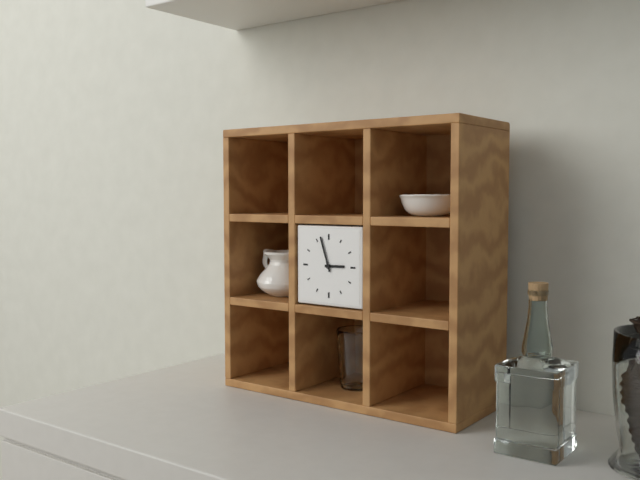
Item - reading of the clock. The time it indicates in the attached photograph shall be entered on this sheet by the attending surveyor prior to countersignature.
2:57
